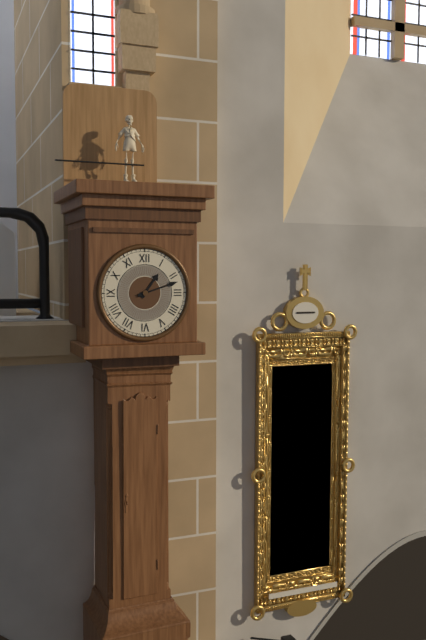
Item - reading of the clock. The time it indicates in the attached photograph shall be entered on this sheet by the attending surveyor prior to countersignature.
1:12
